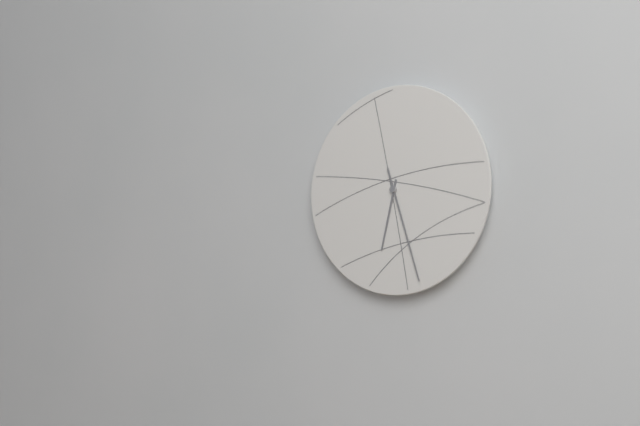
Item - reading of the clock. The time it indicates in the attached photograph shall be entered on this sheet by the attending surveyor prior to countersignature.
6:27
